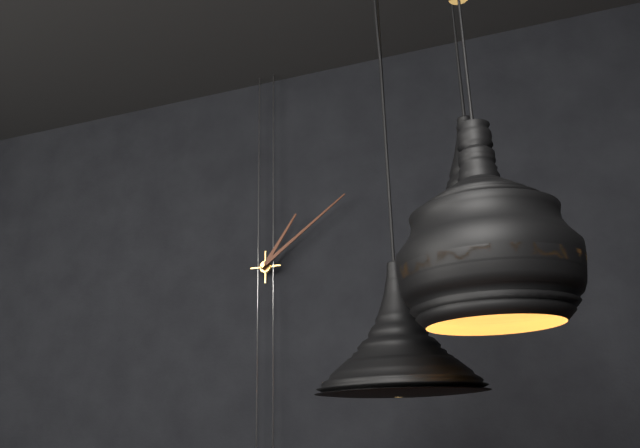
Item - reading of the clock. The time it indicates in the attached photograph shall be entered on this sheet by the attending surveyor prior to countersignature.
1:09
